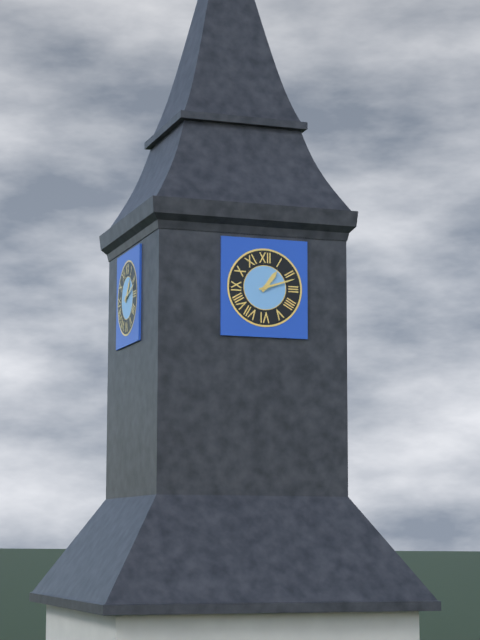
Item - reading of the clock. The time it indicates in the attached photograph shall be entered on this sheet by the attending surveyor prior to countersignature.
1:12
